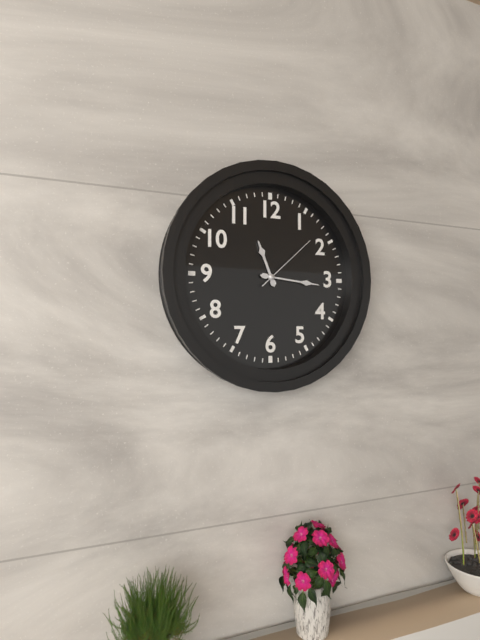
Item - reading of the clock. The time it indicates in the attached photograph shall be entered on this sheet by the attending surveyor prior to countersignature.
11:16:08
